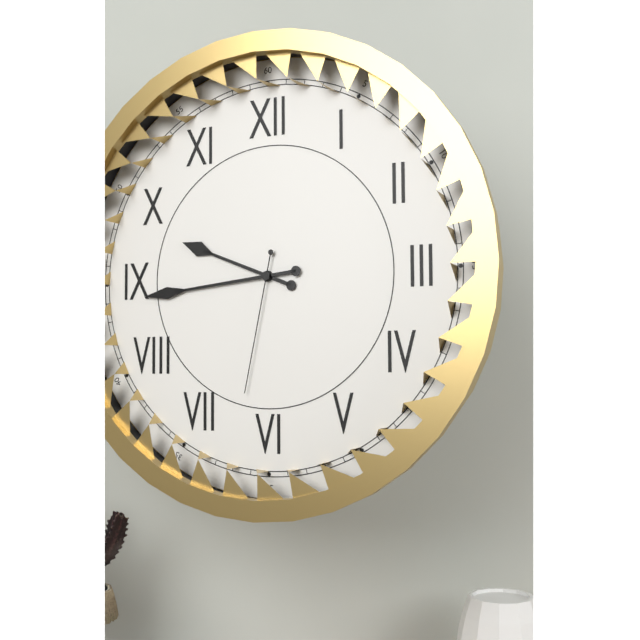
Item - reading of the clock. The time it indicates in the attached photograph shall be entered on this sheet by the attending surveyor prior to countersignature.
9:44:32
